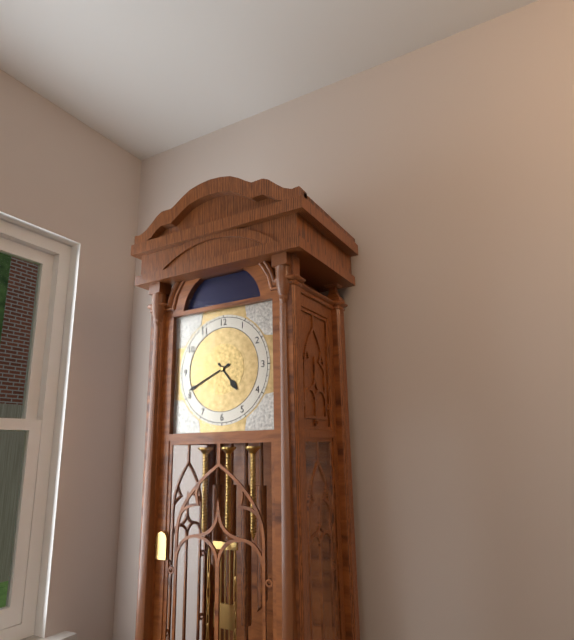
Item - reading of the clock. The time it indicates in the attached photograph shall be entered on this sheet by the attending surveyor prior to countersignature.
4:41
